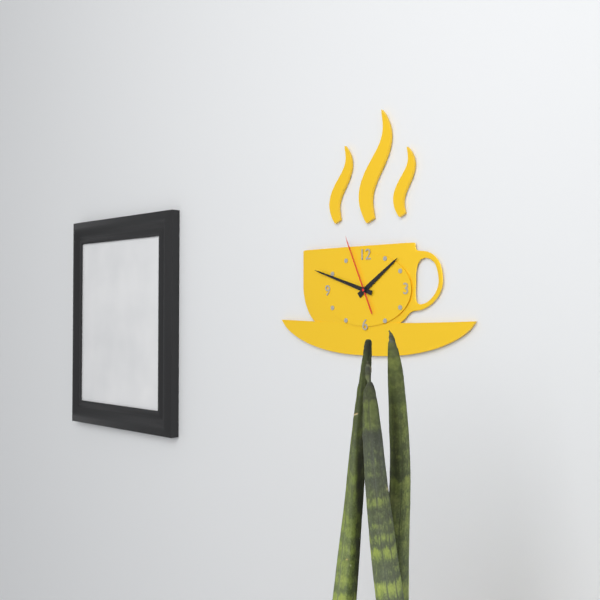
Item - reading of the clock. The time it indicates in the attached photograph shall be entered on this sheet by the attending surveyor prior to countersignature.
1:48:56
